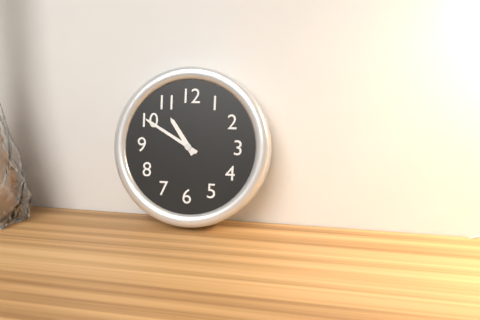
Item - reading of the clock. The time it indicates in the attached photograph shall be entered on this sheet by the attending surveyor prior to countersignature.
10:50
